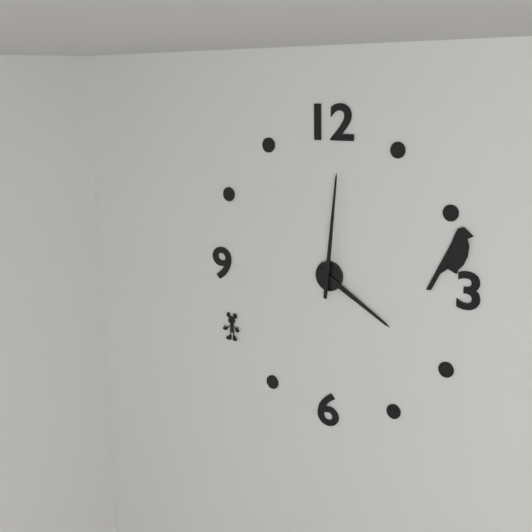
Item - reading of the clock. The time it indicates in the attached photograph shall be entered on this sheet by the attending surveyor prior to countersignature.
4:01
